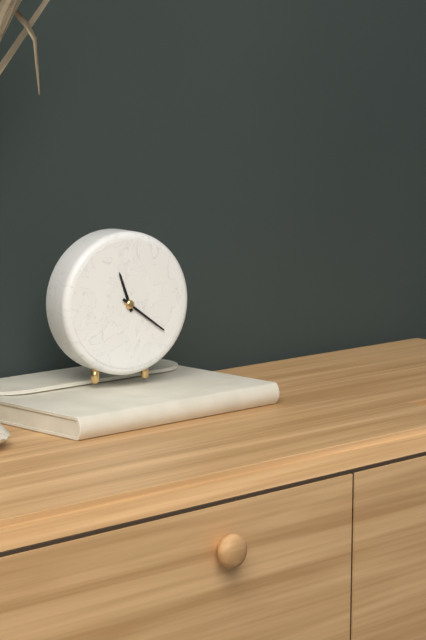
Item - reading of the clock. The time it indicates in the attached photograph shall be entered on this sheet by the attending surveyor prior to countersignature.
11:21
